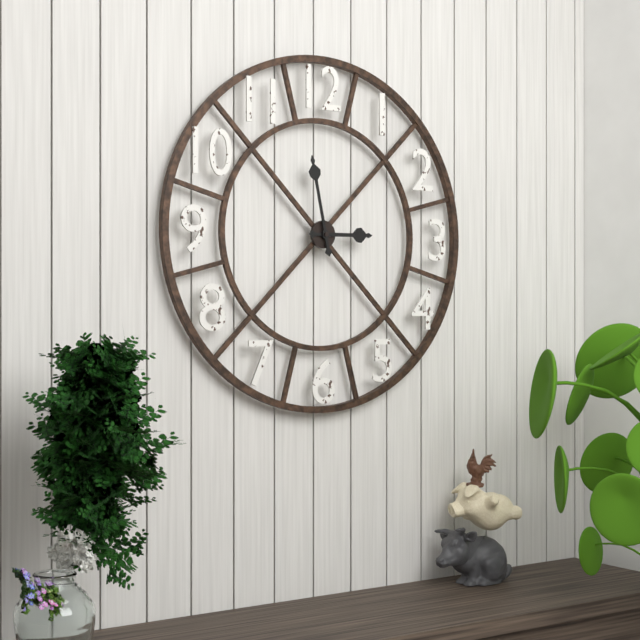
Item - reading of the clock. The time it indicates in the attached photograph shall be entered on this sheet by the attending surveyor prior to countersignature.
2:58
